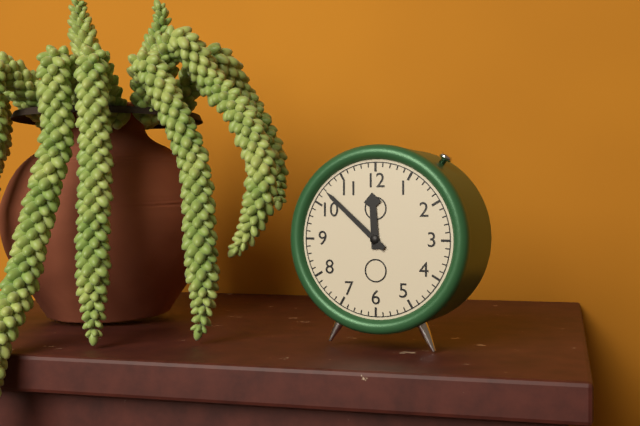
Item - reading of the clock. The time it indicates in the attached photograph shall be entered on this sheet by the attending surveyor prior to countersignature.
11:52
